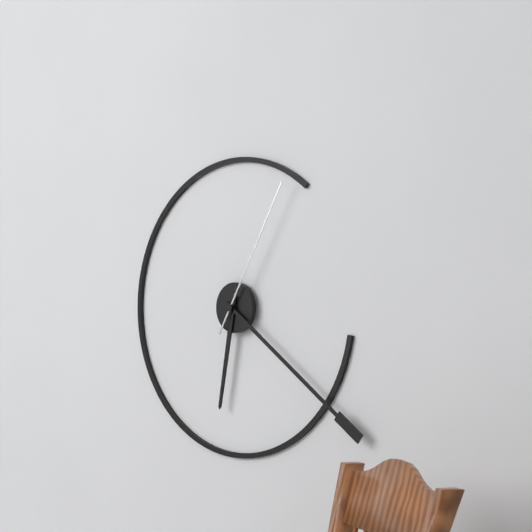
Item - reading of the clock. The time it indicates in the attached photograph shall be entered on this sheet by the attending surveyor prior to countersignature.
6:21:05
